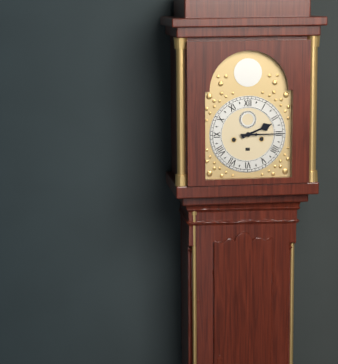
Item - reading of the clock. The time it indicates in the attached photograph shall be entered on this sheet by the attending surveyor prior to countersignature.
2:15
